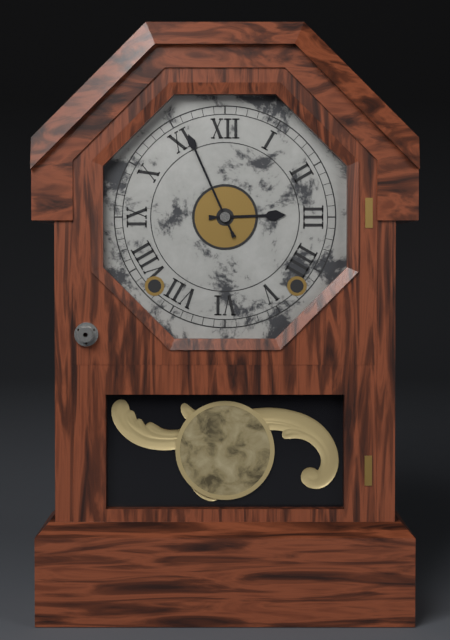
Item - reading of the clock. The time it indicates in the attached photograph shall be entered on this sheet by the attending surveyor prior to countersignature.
2:56
